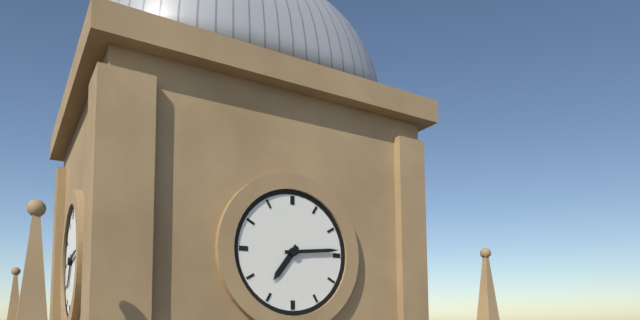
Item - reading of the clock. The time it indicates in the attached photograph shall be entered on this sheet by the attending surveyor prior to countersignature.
7:14
